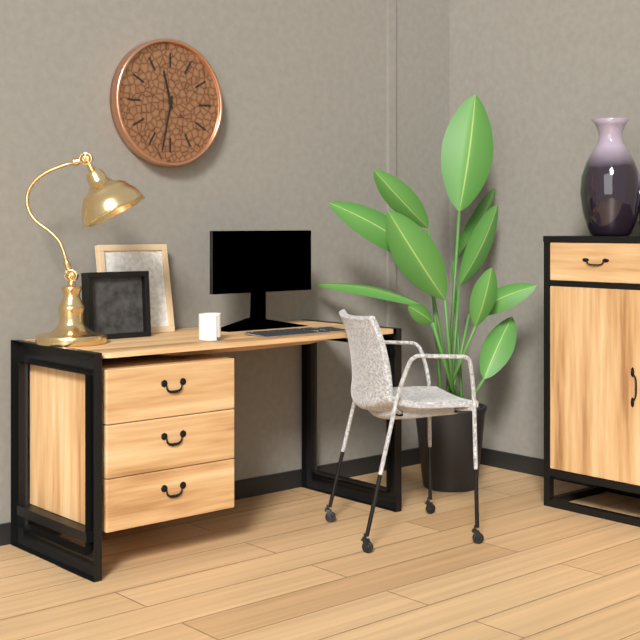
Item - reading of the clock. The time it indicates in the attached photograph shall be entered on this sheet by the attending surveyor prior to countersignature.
11:32
